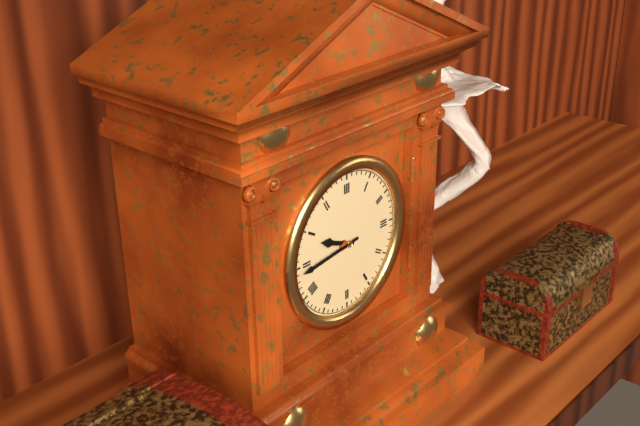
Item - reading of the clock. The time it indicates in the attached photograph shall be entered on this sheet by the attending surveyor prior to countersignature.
9:44
